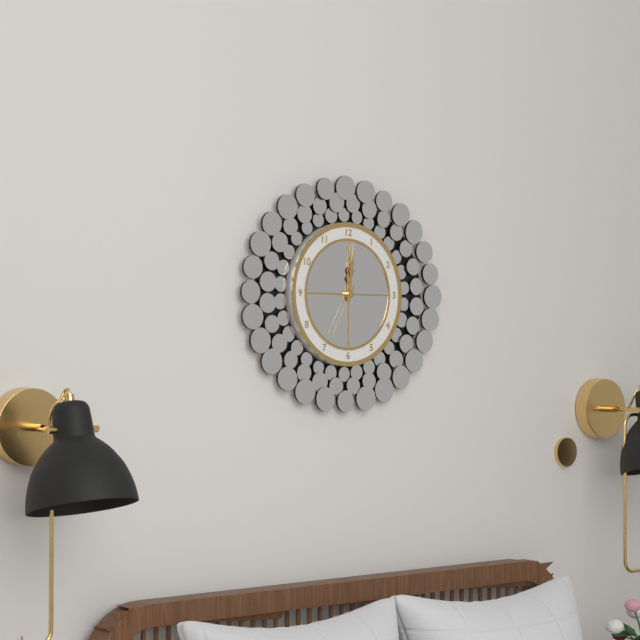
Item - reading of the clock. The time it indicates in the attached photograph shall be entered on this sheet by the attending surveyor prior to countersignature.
12:01:35
